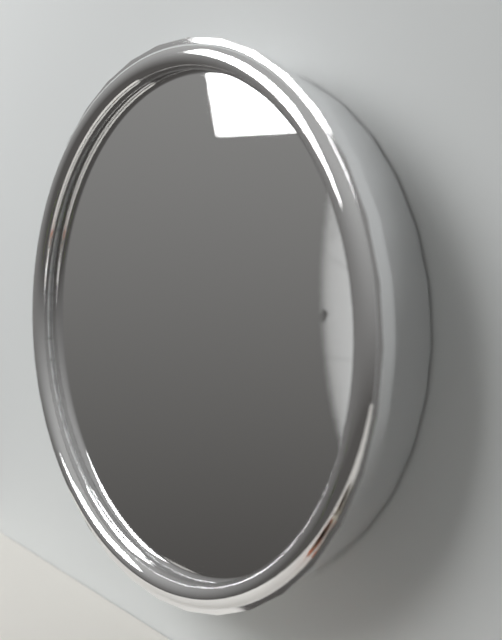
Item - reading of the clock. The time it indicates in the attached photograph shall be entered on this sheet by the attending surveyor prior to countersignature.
9:46
